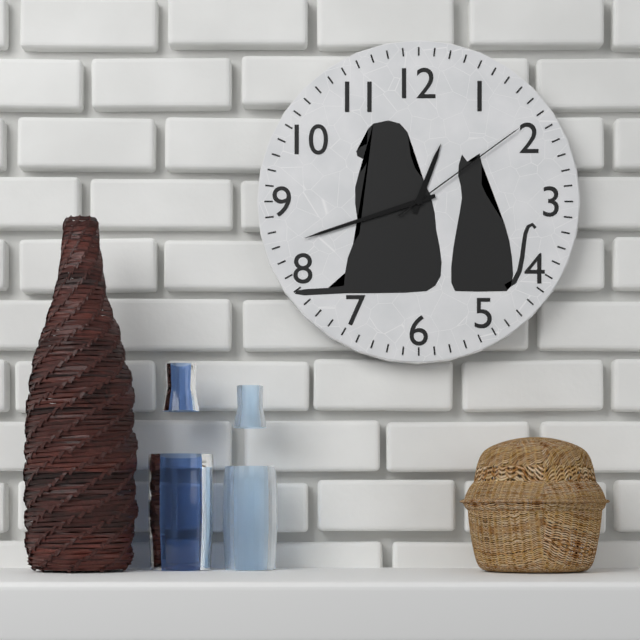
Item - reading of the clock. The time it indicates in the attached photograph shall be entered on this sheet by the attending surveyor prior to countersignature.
12:42:09
